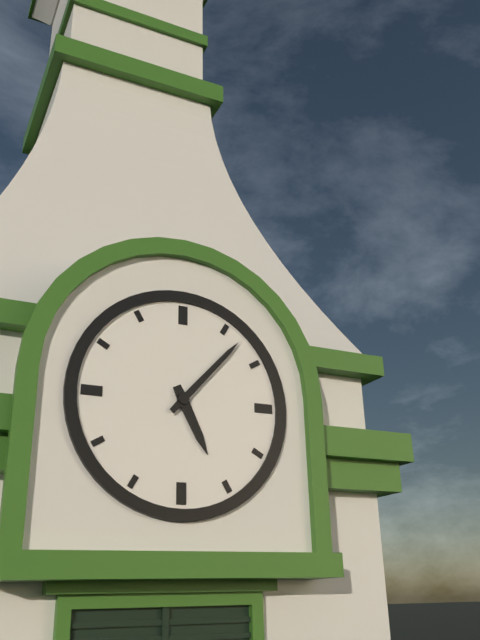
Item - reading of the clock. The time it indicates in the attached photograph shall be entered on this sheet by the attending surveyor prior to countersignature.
5:07
